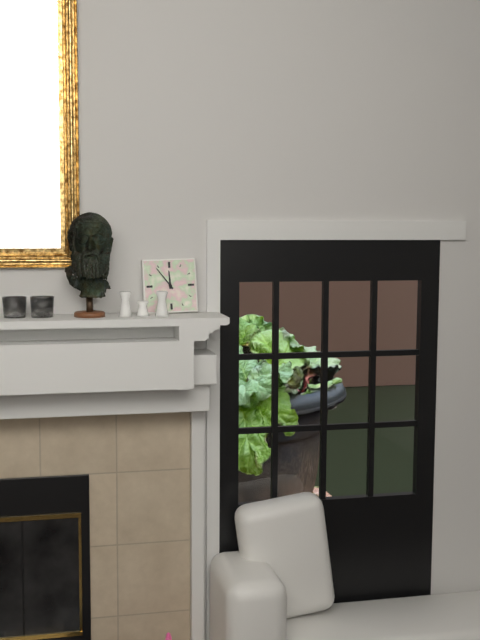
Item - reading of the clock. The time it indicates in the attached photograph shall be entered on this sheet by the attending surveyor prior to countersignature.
11:54
